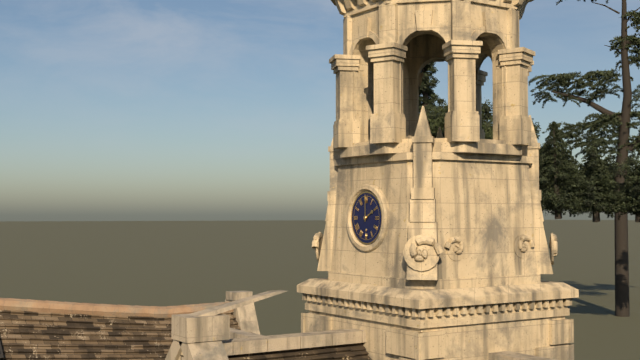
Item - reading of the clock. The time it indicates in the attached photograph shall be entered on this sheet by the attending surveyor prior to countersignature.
2:00
